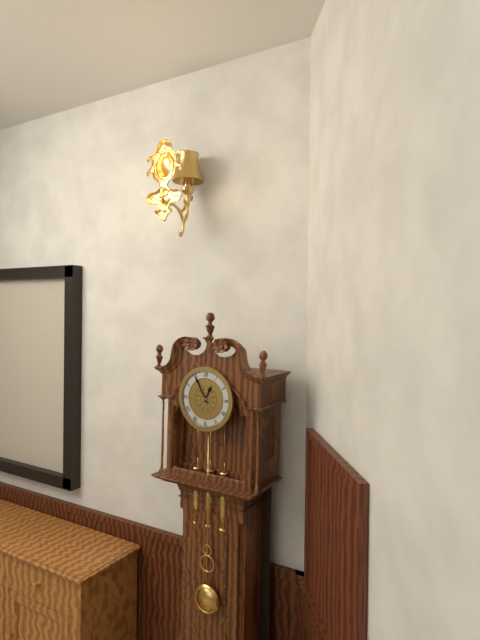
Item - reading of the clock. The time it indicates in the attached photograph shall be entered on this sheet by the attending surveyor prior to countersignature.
12:55
